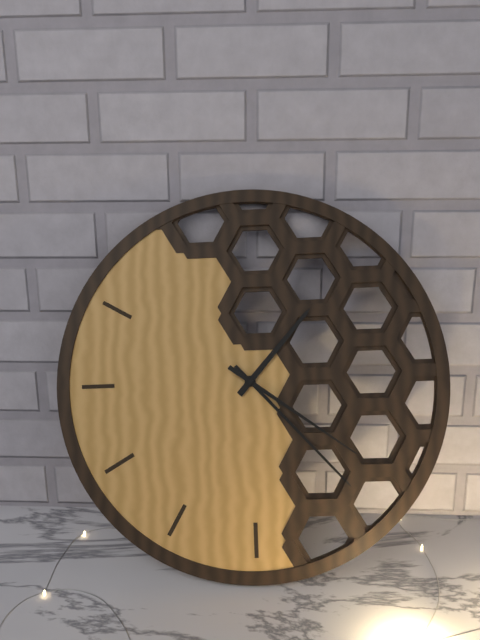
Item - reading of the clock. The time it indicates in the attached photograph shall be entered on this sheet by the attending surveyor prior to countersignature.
1:23:21
